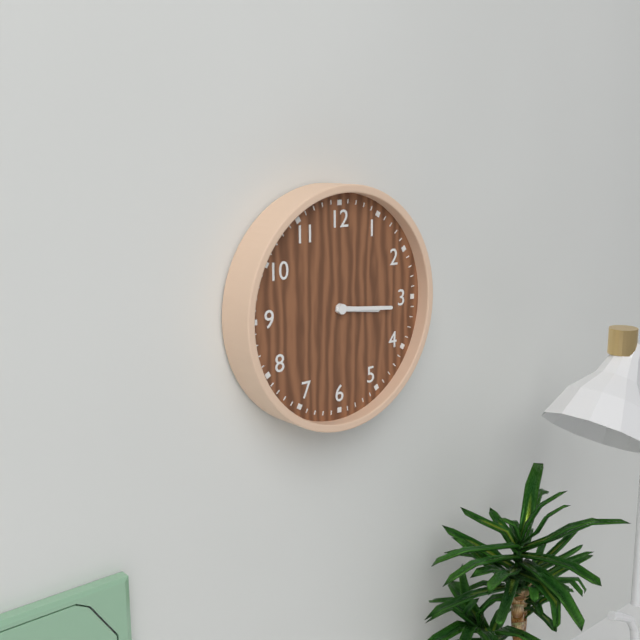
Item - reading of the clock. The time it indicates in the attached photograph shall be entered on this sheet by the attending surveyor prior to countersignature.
3:16
